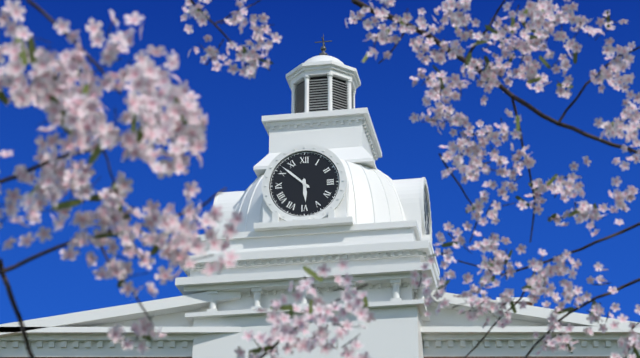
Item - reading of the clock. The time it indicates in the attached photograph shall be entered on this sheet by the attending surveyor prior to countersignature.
5:52
